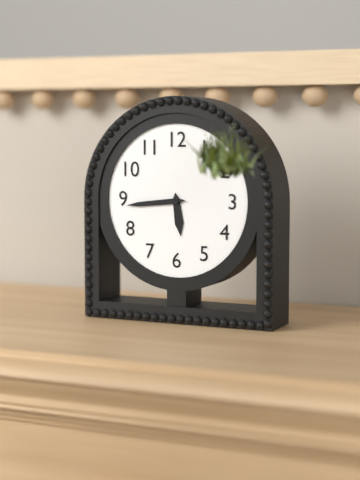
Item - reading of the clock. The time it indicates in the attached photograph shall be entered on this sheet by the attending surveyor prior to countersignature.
5:44
